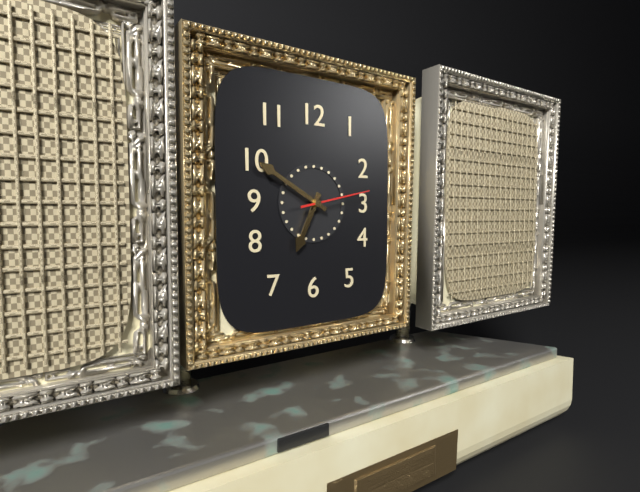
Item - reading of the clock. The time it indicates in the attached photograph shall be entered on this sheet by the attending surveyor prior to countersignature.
6:50:13
